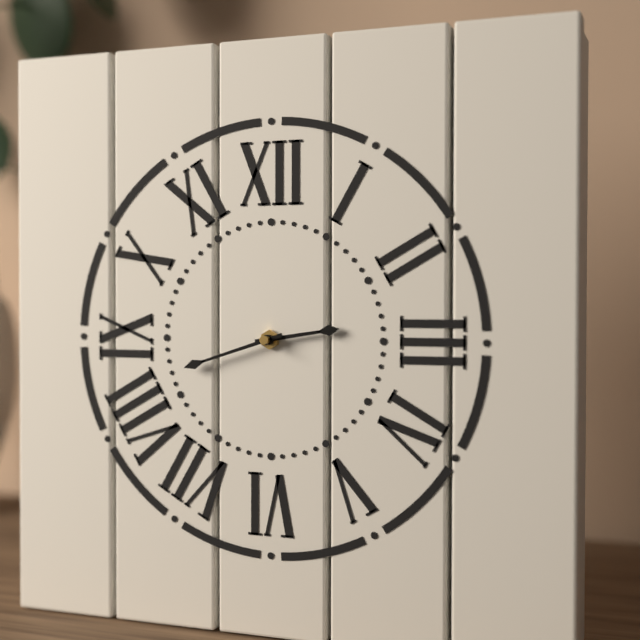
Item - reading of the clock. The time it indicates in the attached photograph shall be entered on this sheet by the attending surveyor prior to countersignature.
2:42
